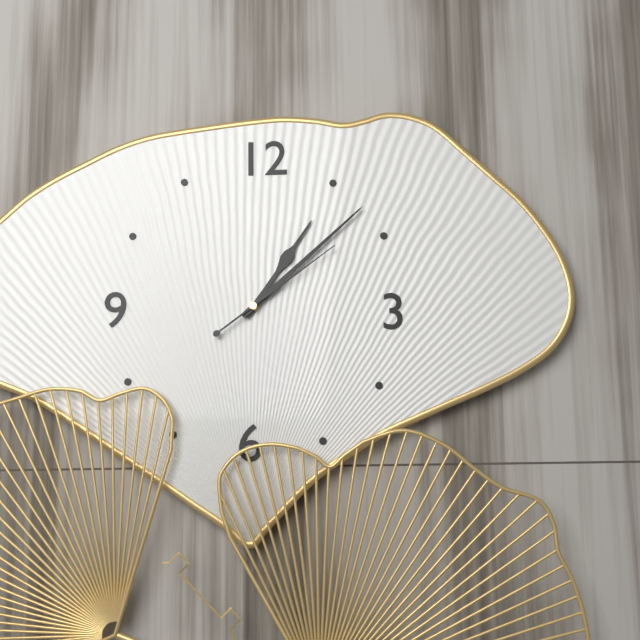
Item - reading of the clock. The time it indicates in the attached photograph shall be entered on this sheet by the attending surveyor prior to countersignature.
1:08:09
